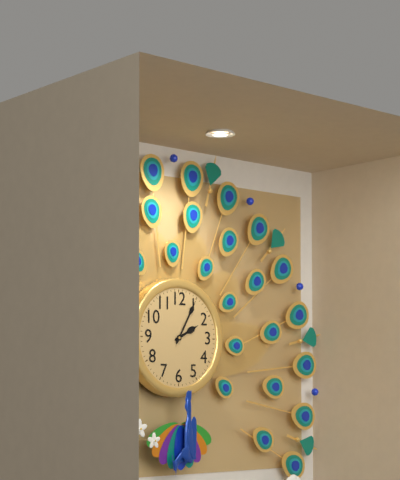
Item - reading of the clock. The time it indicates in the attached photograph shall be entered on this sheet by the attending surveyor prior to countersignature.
2:05
